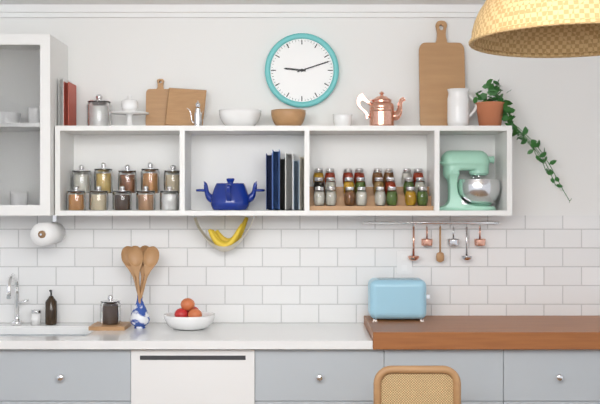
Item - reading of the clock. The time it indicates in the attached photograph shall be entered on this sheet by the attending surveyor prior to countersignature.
9:12
